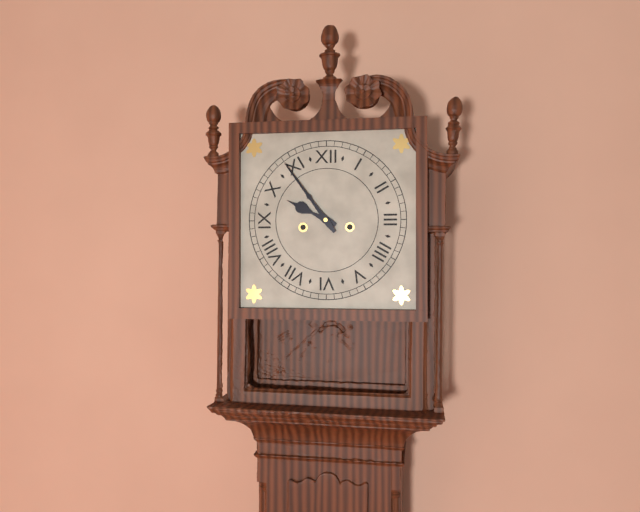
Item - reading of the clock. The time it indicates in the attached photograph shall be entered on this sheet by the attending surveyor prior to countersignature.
9:54
